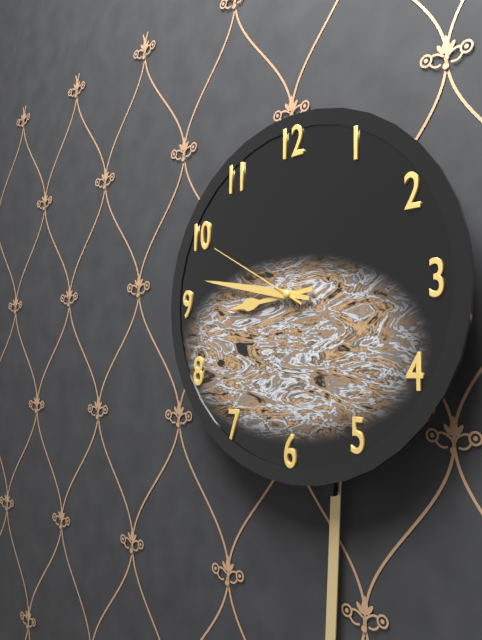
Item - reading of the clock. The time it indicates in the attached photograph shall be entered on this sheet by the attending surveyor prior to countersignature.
8:47:50
